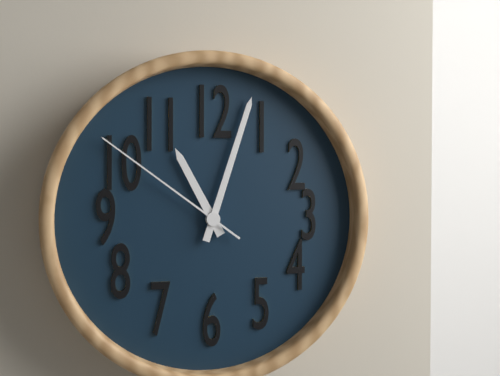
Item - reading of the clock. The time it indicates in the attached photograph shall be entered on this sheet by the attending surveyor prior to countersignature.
11:03:51
